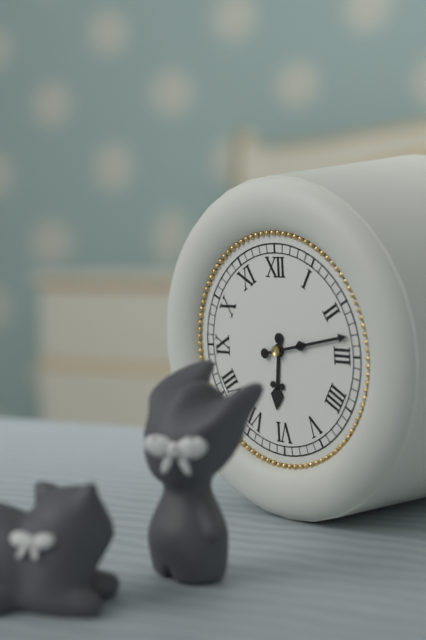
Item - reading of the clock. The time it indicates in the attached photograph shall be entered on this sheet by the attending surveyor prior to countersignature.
6:13
